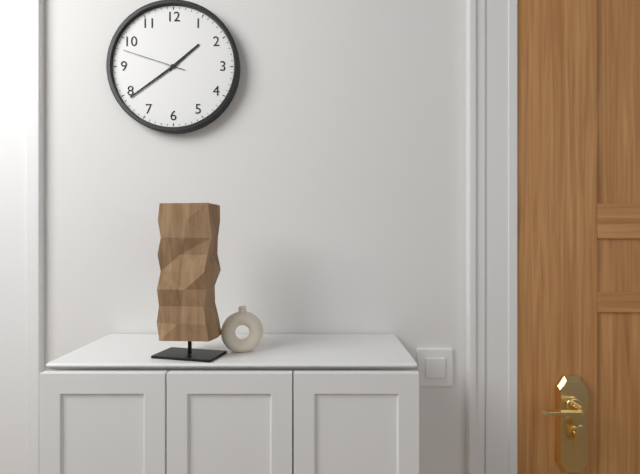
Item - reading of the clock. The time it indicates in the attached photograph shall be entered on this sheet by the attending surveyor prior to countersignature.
1:39:48
